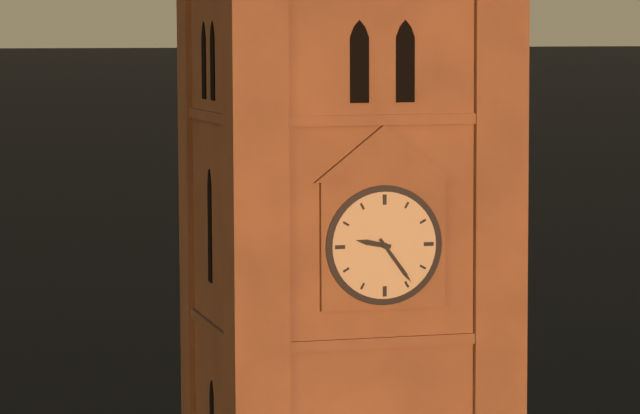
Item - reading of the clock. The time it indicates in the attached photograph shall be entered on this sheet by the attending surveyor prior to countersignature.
9:24
